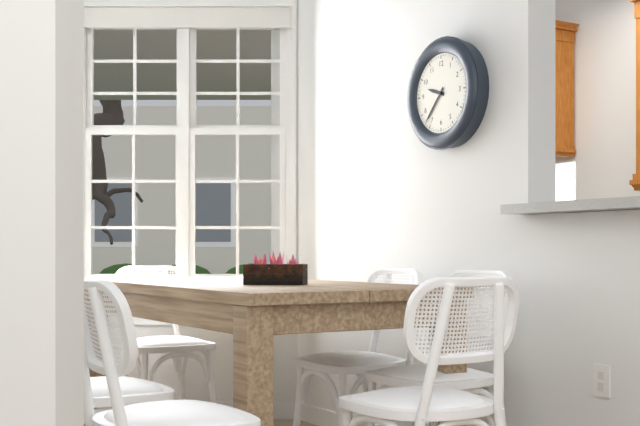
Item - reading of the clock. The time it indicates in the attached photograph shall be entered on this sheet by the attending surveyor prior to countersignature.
9:37
